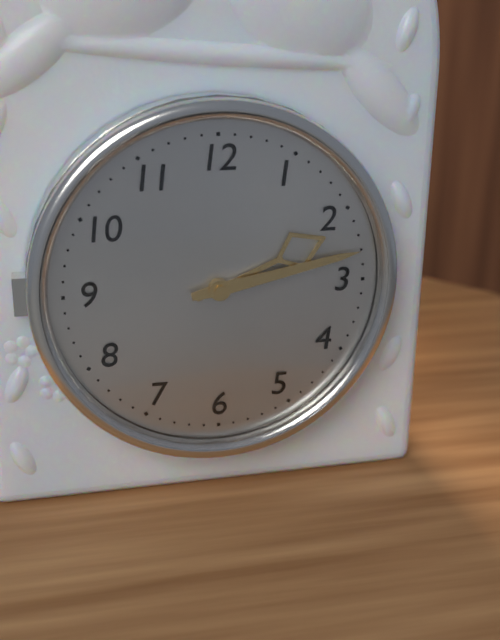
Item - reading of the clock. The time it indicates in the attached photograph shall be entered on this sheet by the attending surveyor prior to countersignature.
2:13
